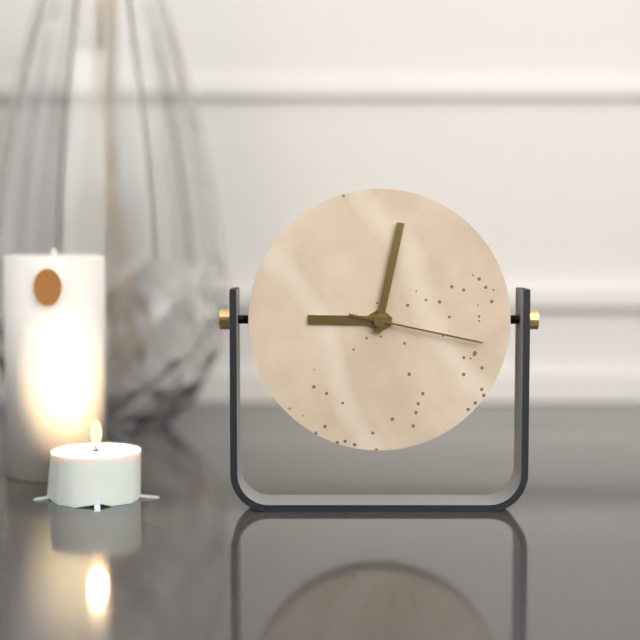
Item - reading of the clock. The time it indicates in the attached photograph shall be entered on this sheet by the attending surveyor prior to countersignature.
9:02:17
